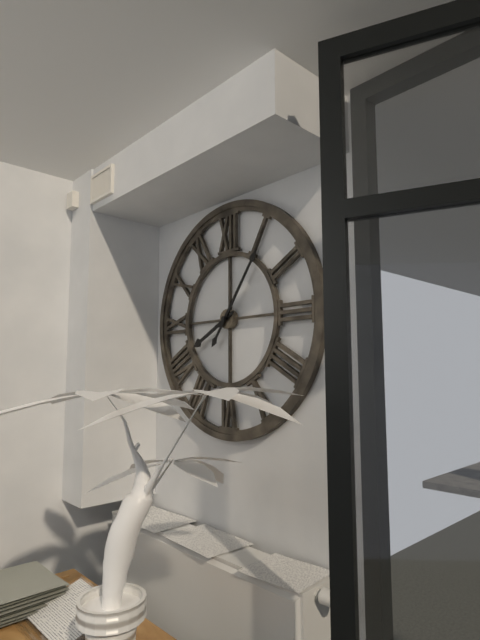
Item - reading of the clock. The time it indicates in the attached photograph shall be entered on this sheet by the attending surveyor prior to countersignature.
8:06
